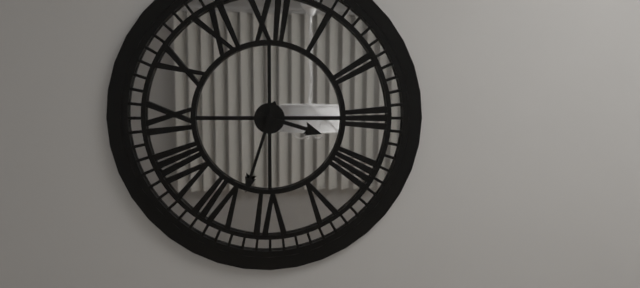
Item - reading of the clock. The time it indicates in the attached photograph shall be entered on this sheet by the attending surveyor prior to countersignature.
3:33
